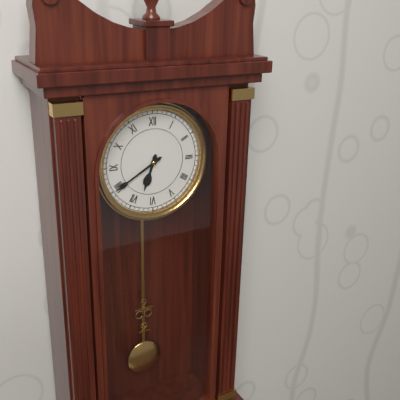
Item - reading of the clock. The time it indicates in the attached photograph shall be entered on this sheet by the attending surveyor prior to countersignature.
6:40
